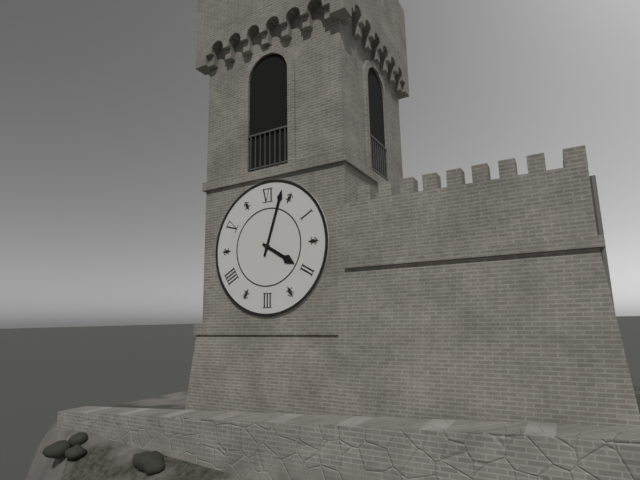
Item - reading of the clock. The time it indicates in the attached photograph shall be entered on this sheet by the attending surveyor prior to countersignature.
4:03
